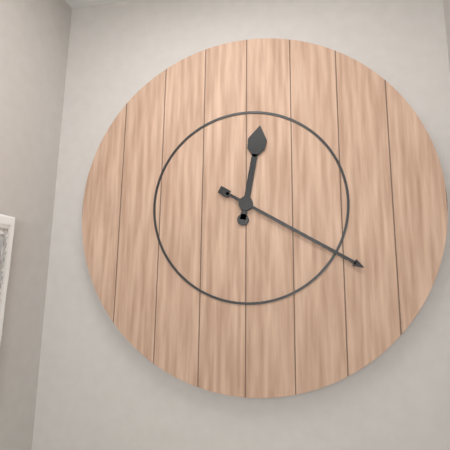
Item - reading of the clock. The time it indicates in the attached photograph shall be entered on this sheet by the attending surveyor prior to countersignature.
12:20
